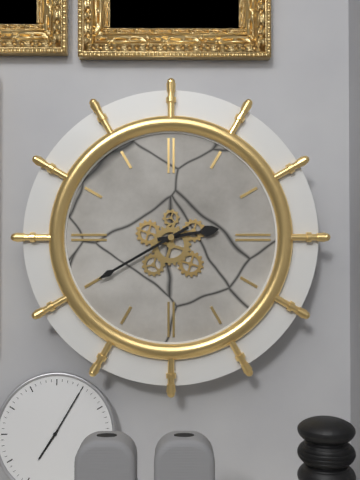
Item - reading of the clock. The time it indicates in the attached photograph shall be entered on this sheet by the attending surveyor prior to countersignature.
2:40
